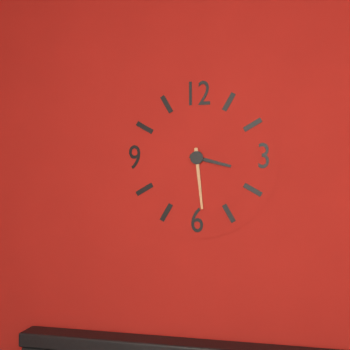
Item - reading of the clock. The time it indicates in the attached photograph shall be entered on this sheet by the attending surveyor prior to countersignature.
3:29
